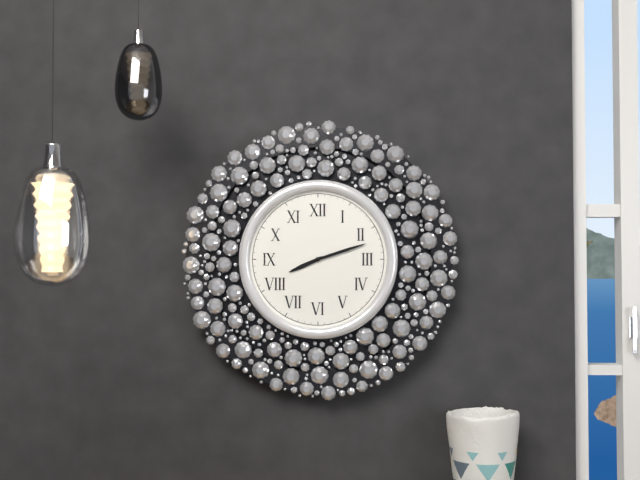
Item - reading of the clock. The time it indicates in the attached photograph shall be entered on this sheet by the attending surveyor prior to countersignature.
8:12
